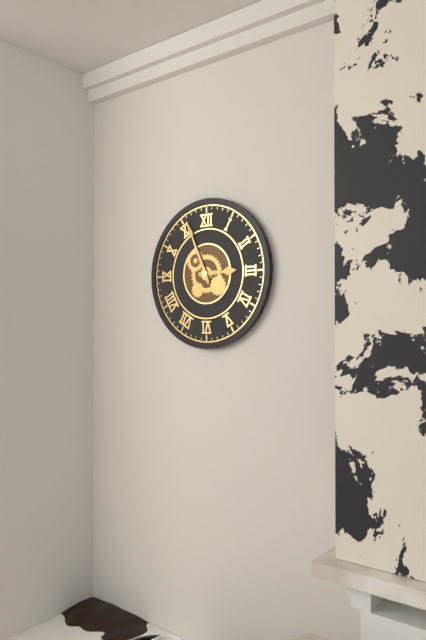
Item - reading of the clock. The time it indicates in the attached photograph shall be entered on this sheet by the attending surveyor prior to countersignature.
2:56
